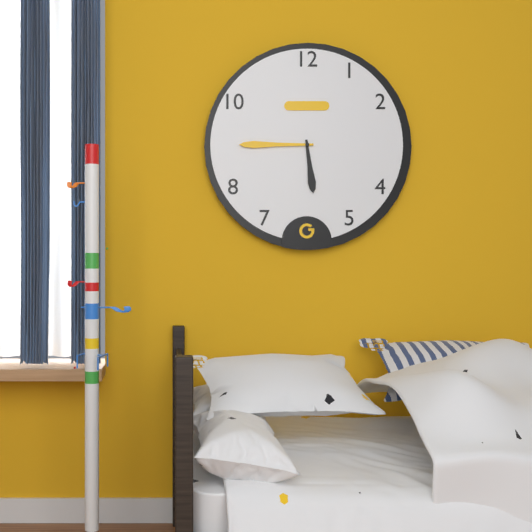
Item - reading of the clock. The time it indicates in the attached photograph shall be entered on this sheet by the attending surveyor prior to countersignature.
5:45
